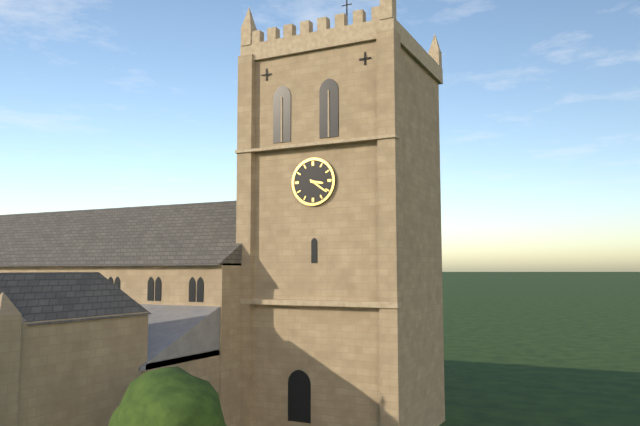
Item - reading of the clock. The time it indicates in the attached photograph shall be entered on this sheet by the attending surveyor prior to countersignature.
3:21
